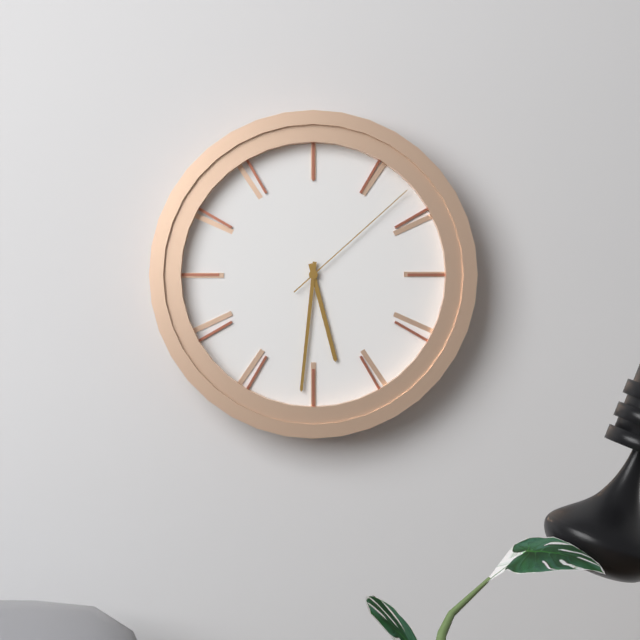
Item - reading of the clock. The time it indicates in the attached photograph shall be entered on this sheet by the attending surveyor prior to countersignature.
5:31:08
